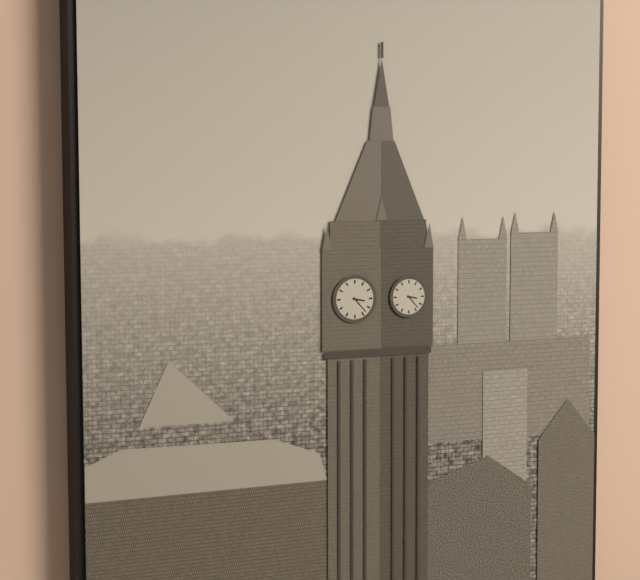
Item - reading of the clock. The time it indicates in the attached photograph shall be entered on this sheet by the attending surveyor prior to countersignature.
3:23
